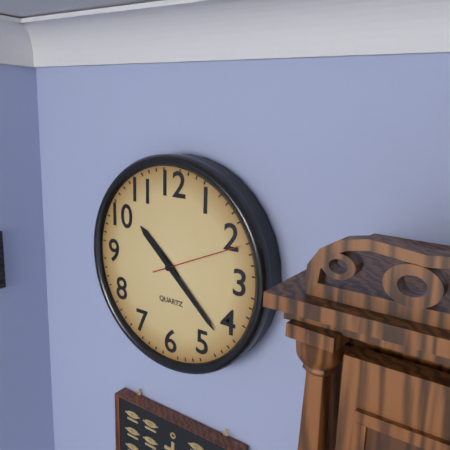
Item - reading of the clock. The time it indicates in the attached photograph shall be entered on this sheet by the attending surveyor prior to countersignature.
10:22:11
